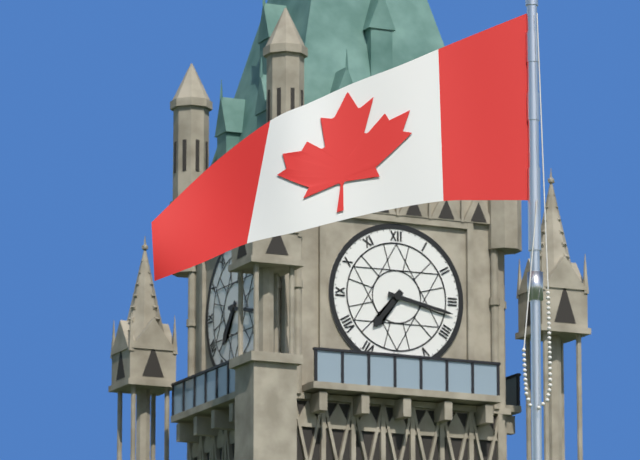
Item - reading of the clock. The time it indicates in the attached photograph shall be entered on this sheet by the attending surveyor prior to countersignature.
7:17
